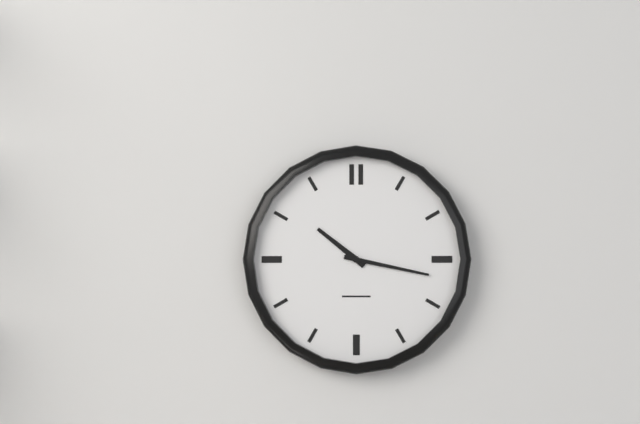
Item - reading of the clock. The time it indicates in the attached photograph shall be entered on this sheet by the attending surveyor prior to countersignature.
10:17
